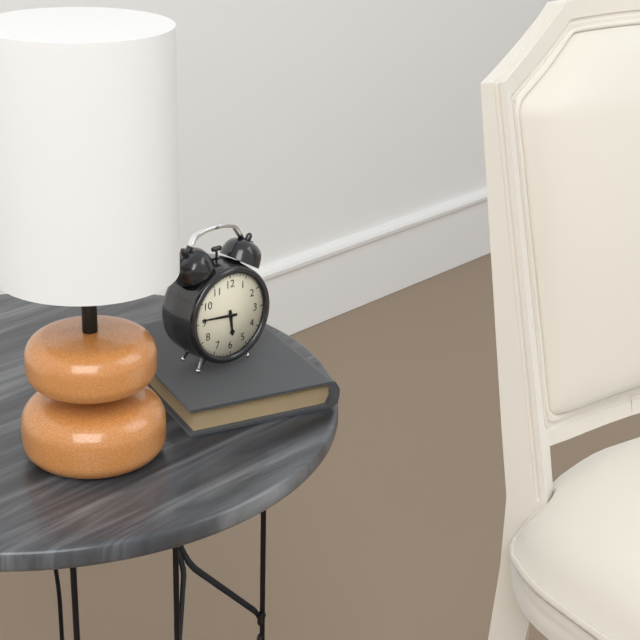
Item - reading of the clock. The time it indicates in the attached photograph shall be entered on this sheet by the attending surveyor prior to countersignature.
5:46
